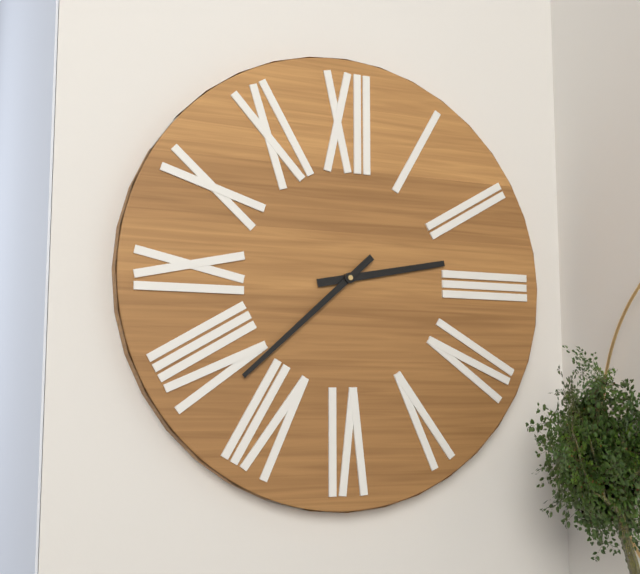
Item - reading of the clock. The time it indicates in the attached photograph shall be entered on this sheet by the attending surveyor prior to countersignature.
2:38
